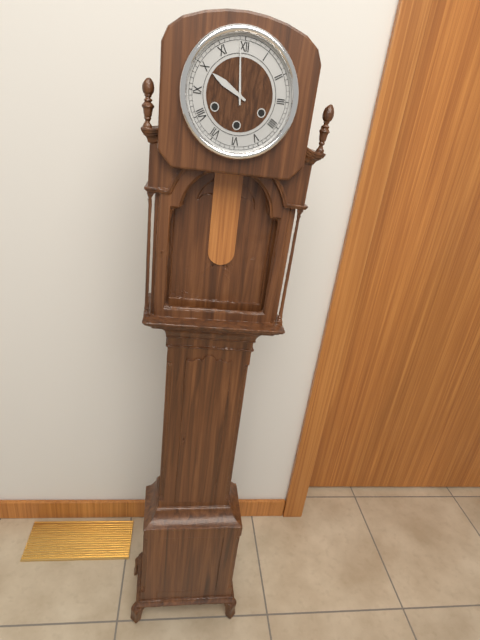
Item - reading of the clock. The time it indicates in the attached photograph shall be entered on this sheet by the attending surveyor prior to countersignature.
9:59
